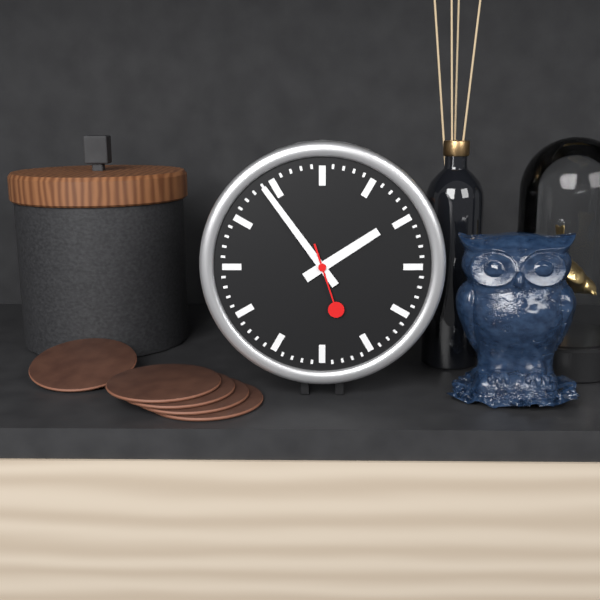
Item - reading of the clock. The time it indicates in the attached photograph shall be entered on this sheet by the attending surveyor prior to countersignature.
1:54:27
